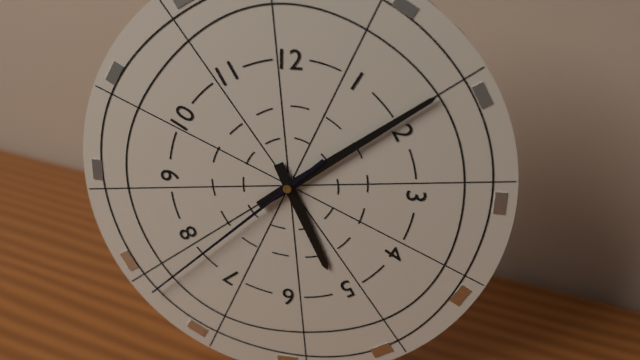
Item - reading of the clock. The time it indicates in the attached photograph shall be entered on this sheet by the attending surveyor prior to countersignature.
5:09:38
